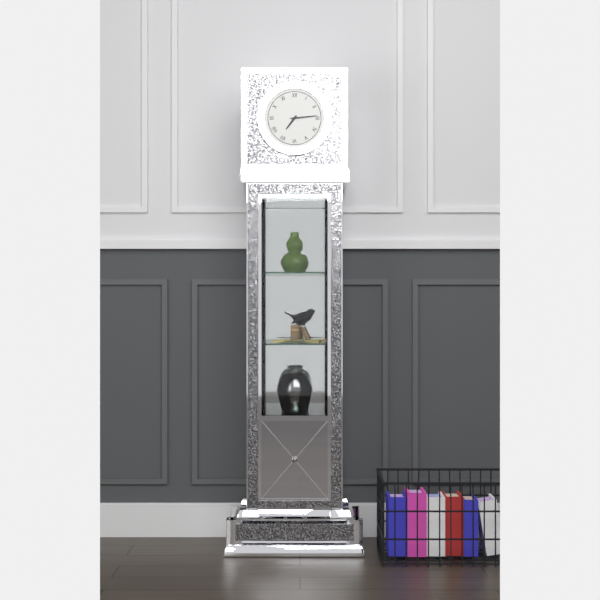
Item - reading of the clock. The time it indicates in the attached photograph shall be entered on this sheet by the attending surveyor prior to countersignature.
7:14
